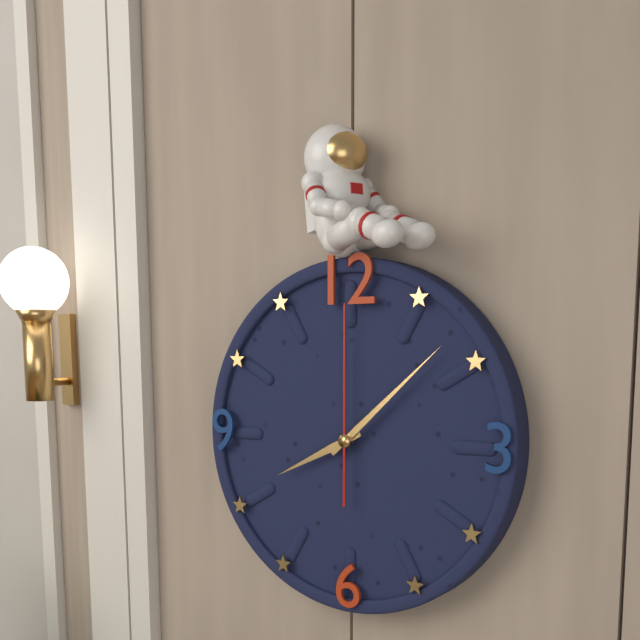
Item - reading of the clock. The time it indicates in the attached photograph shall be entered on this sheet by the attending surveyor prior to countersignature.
8:08:00
